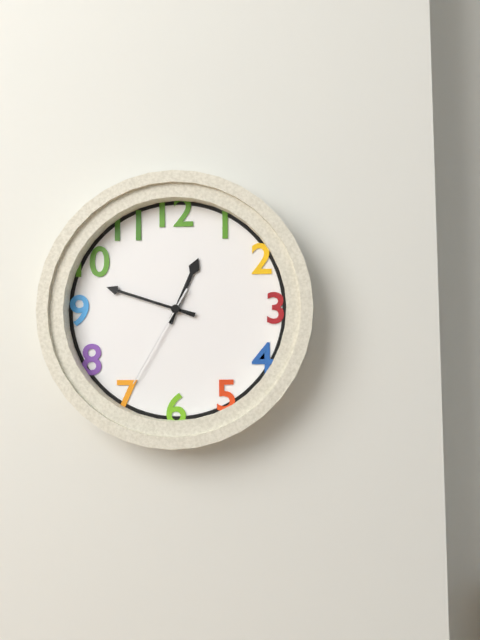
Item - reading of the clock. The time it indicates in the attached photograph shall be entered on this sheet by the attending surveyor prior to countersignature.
12:48:35
